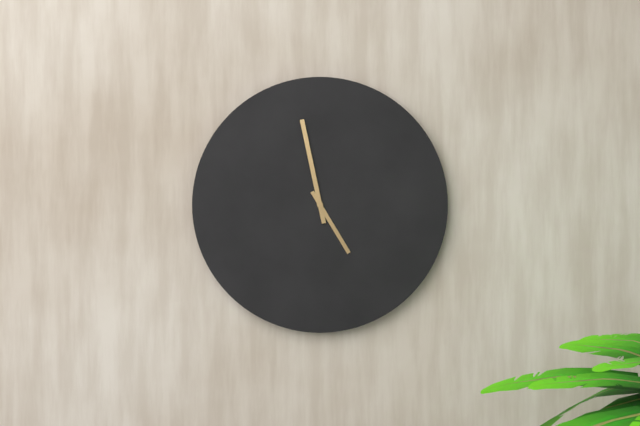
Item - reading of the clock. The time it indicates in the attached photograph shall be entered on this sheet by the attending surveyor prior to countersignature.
4:58
